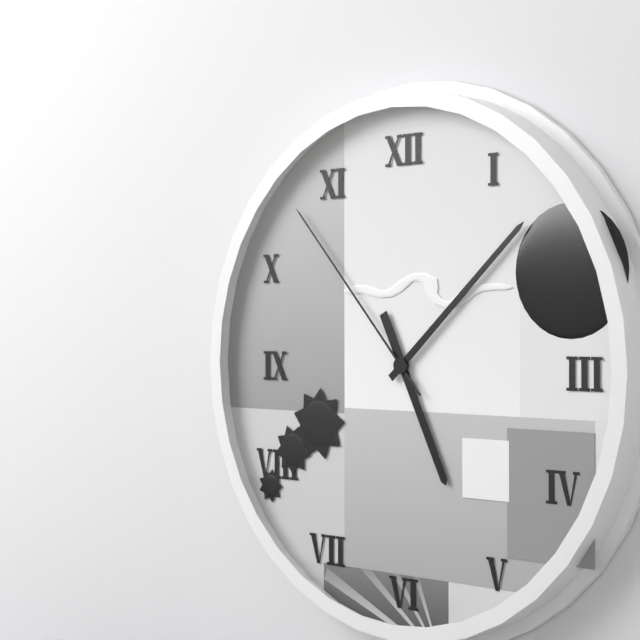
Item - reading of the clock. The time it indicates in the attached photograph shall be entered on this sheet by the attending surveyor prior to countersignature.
5:08:53
